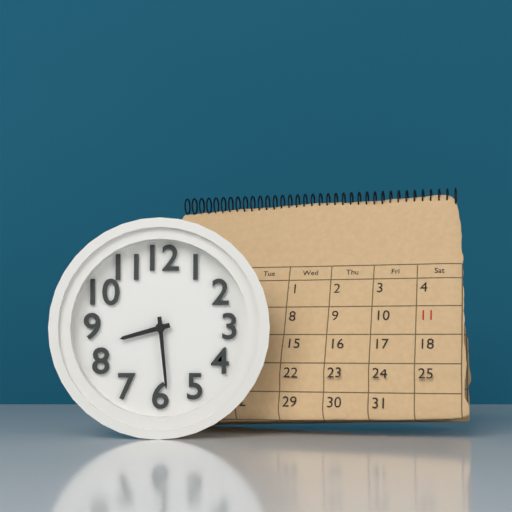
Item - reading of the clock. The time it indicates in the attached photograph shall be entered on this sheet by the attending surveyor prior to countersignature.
8:29
